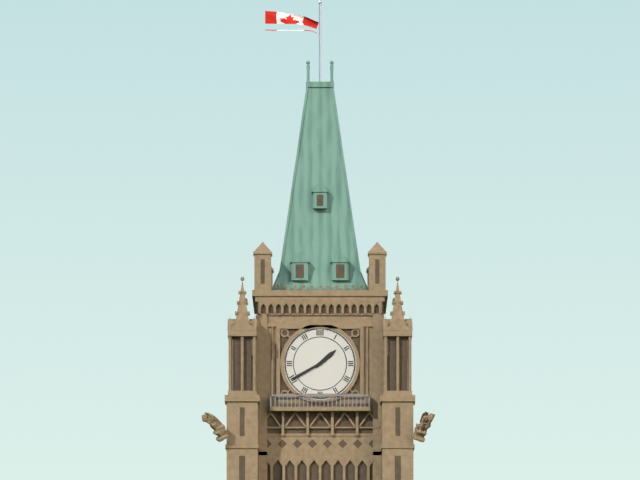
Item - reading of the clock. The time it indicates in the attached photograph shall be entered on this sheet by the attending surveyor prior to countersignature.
1:40
